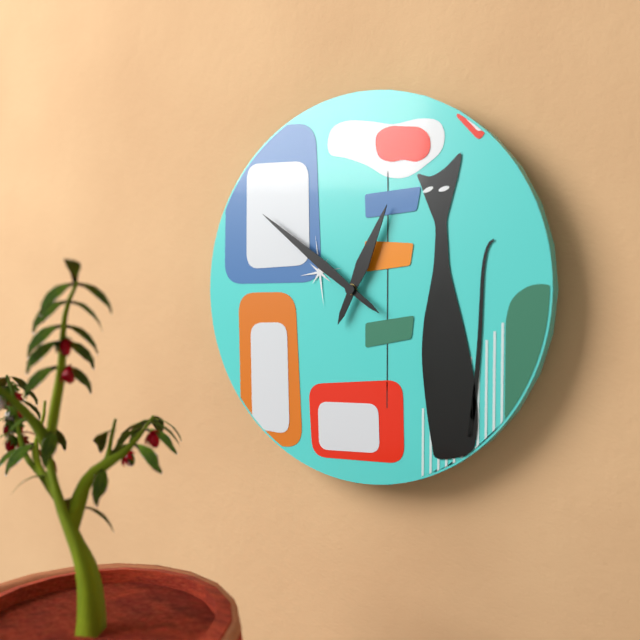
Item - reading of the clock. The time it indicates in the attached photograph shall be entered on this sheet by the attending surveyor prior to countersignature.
12:51
